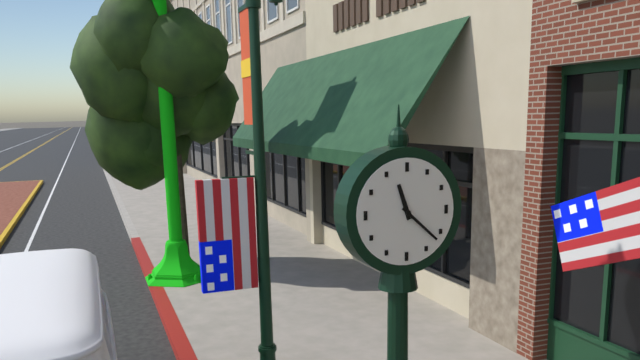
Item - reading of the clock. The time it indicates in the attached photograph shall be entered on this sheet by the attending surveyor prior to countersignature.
11:22
